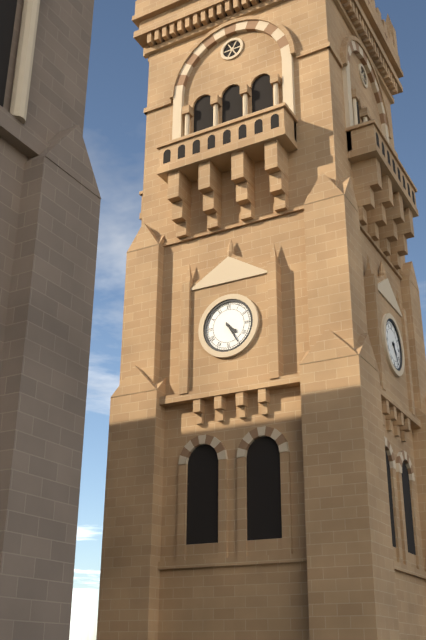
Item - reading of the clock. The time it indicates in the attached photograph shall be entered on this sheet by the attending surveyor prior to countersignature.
4:25
